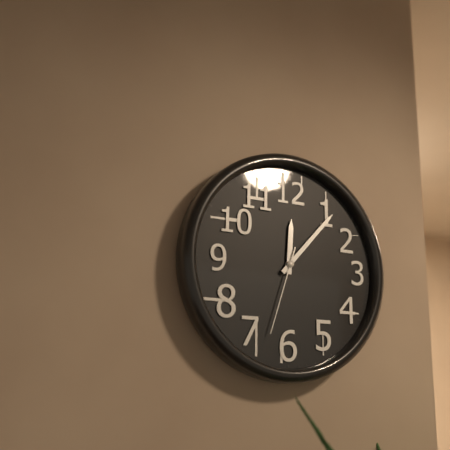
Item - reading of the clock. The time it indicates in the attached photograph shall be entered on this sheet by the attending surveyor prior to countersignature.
12:07:33
